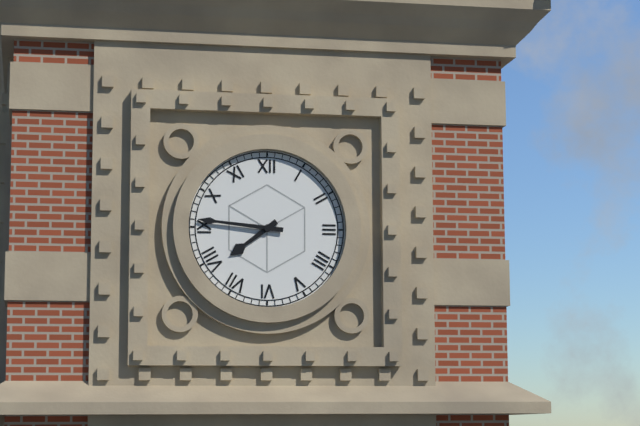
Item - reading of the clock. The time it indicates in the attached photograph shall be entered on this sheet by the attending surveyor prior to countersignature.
7:46
